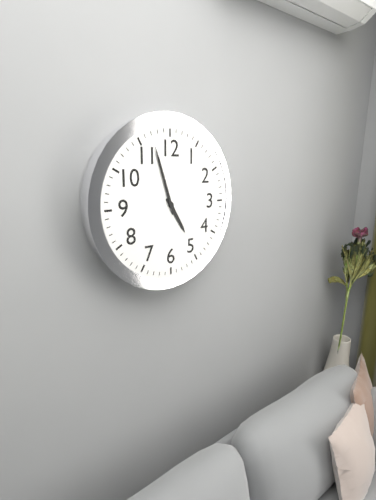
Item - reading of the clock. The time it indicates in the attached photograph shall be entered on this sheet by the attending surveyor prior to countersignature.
4:57
